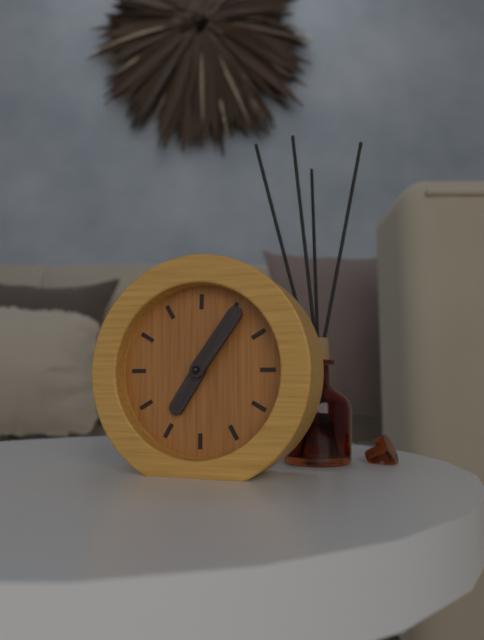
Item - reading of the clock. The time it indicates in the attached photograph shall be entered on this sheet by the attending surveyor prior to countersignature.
7:06
